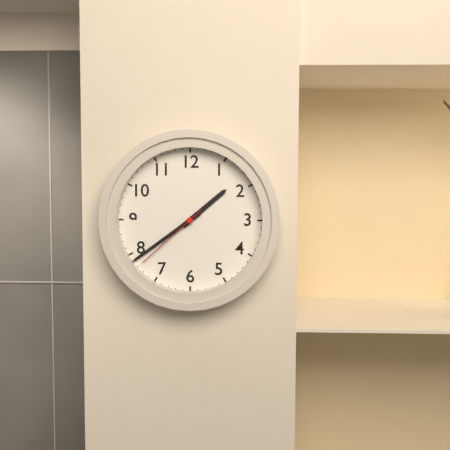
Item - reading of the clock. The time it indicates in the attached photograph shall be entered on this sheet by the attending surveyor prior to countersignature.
1:39:38
